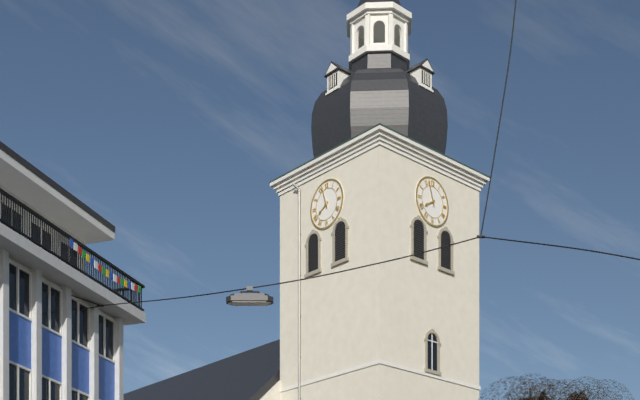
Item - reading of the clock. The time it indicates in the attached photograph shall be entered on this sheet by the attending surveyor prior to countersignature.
7:57
